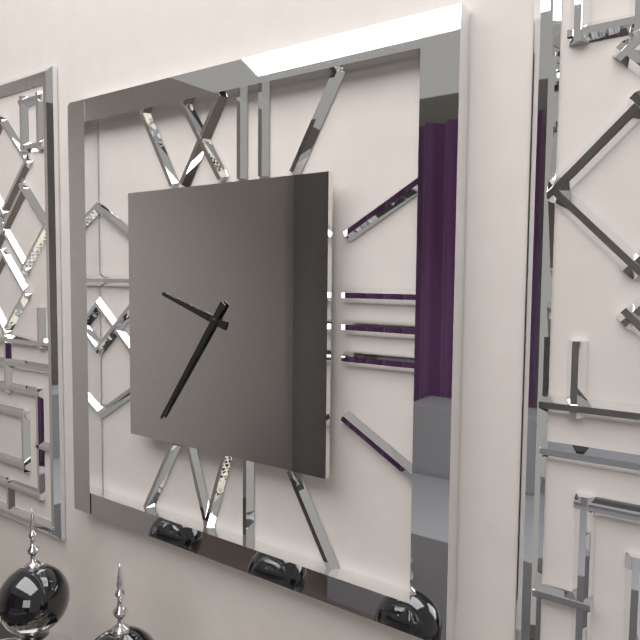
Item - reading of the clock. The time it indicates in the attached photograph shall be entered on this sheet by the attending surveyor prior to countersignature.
9:36
